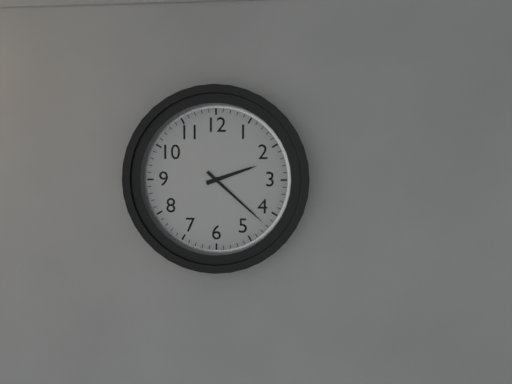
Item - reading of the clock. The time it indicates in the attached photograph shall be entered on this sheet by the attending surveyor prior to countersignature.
2:22
